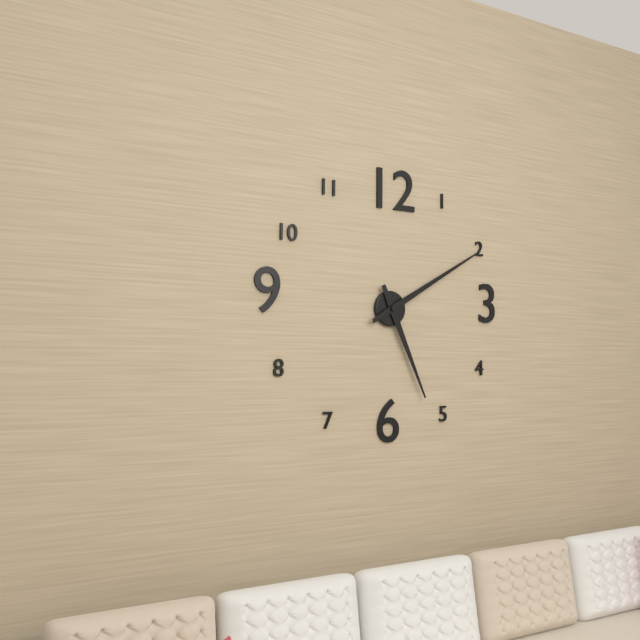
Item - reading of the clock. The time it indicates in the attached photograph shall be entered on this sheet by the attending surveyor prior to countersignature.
5:10
